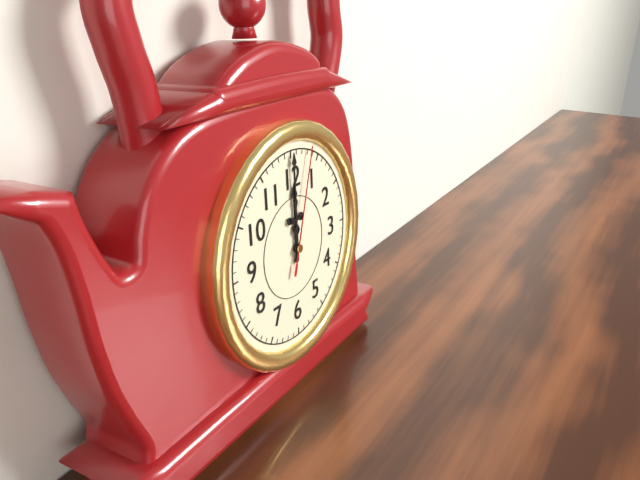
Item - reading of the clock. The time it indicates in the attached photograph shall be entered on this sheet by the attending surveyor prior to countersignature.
12:00:03
